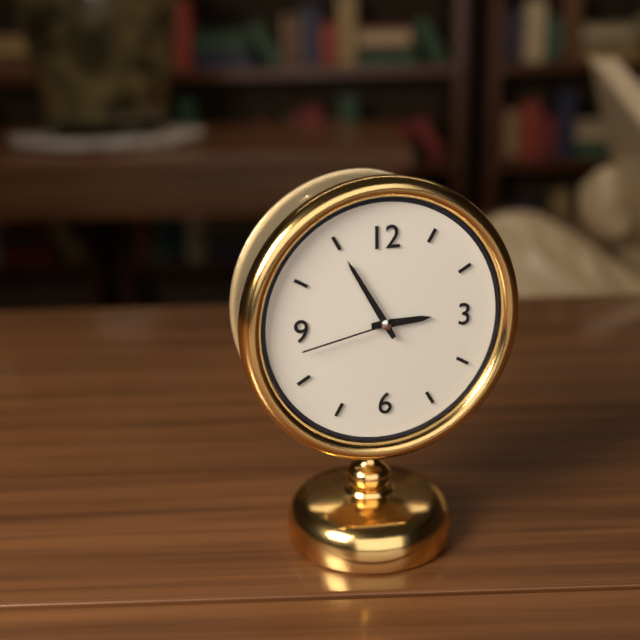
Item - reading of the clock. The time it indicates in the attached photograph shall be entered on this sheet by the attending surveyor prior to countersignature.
2:55:43
